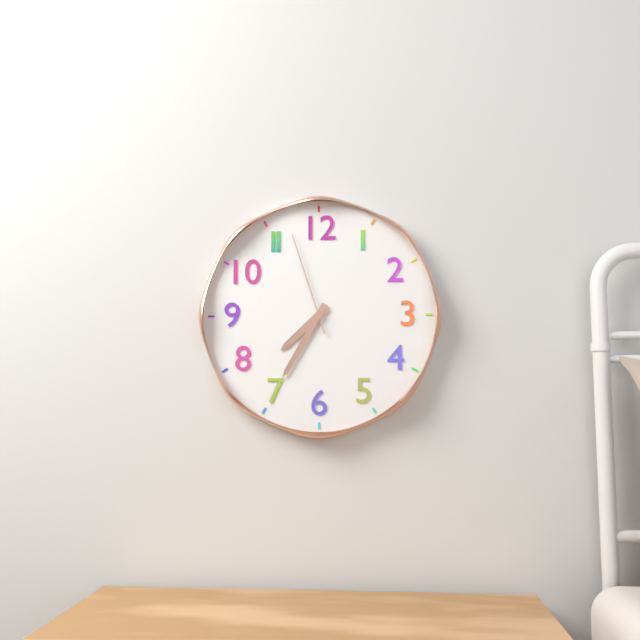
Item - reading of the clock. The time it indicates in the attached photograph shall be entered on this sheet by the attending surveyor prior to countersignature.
7:35:57
